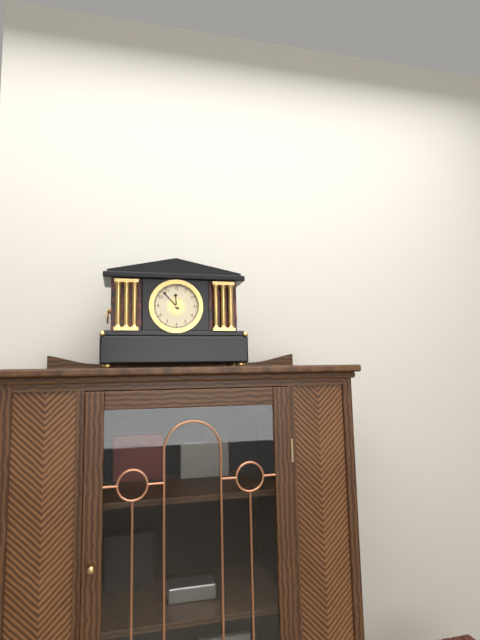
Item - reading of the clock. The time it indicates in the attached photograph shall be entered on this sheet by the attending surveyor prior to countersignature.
11:53
